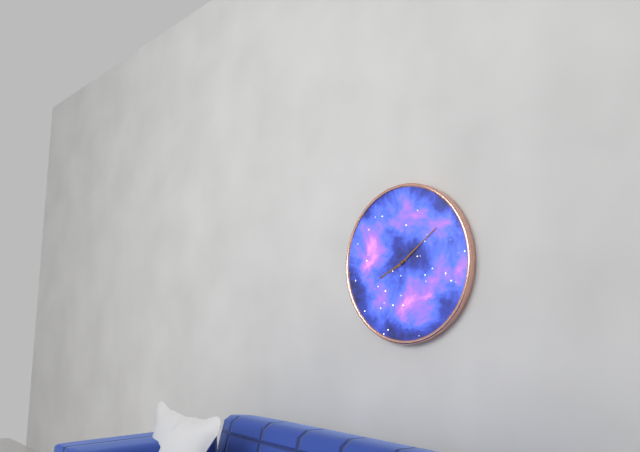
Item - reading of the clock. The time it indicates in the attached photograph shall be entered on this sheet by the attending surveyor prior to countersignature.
8:09
